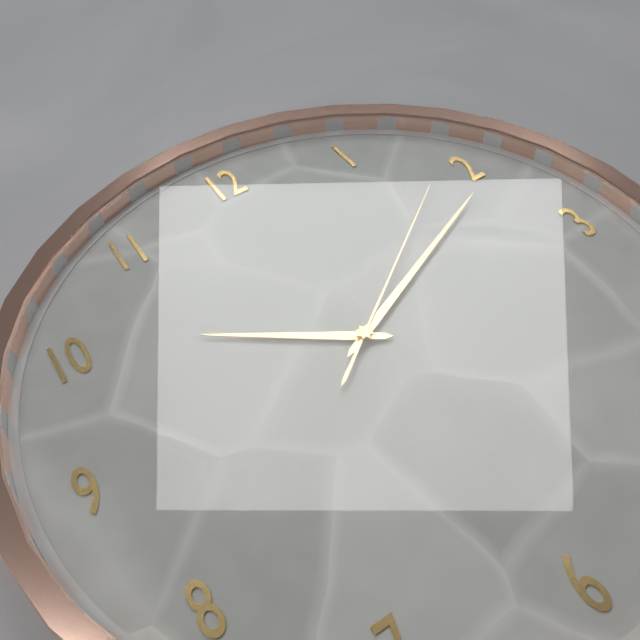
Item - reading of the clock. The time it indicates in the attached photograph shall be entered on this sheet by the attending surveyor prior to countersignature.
10:11:09
